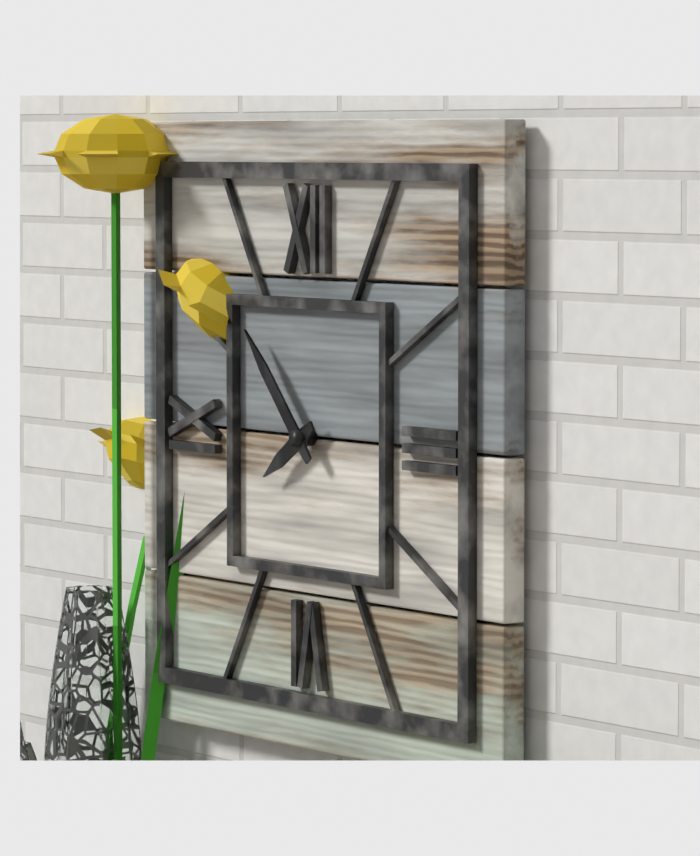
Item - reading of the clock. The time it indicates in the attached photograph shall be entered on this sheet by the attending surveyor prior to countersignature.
7:53
